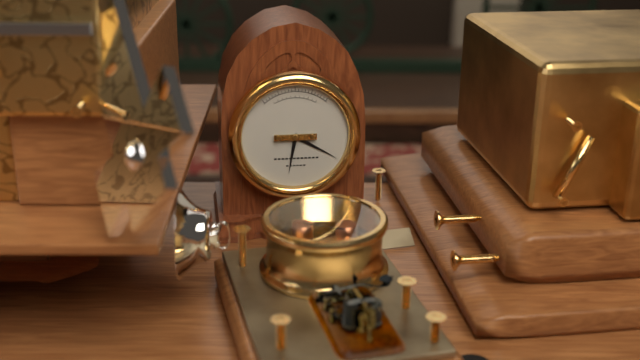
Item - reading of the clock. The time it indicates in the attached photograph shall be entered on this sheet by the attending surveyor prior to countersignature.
6:20
